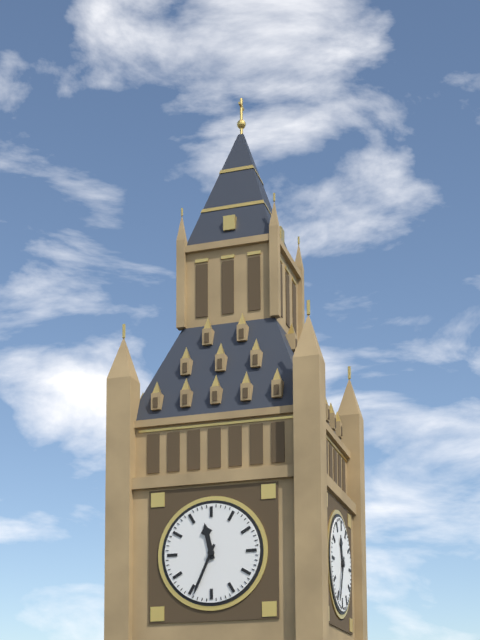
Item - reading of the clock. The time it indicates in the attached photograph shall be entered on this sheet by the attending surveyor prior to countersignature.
11:34
